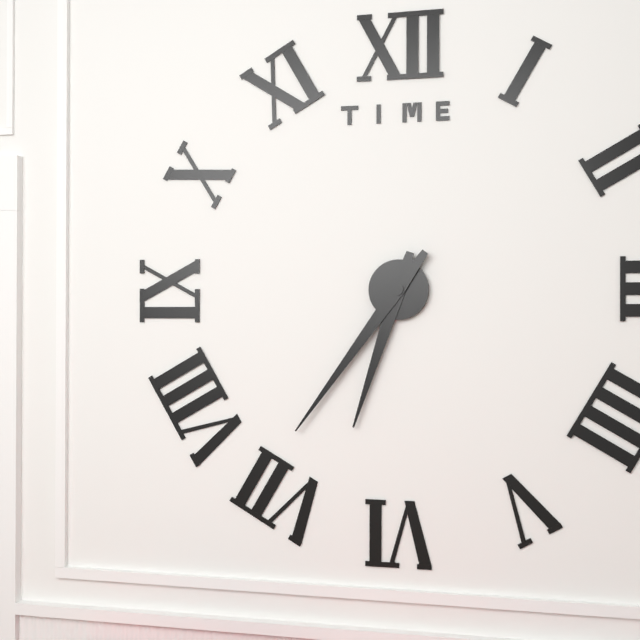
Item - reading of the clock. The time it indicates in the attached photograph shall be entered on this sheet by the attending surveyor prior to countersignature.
6:36
